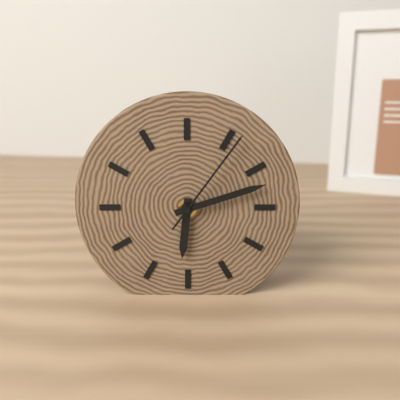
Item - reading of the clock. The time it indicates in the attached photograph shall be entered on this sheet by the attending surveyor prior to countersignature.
6:12:06
